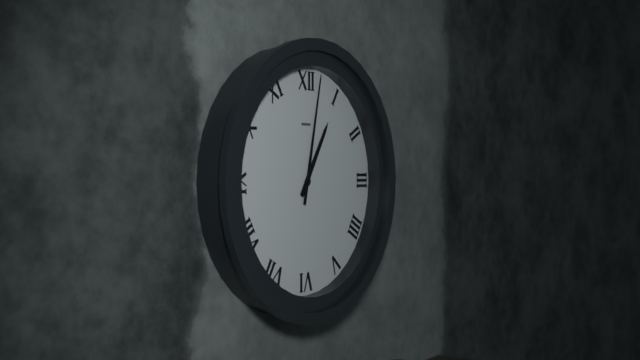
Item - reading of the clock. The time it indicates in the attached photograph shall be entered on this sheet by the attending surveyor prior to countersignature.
1:02
